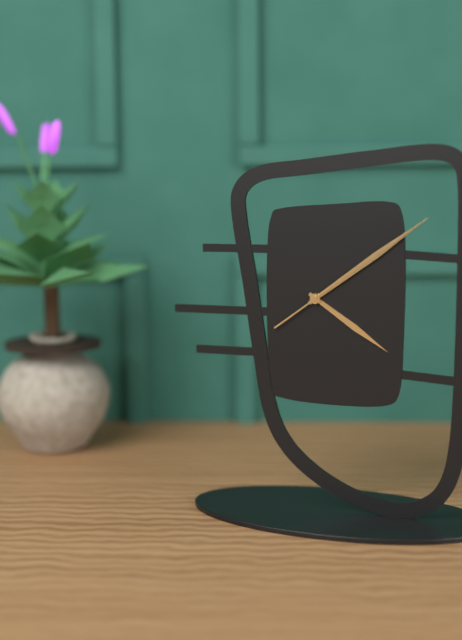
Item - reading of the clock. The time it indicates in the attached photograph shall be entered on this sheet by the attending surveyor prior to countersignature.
4:09:09
